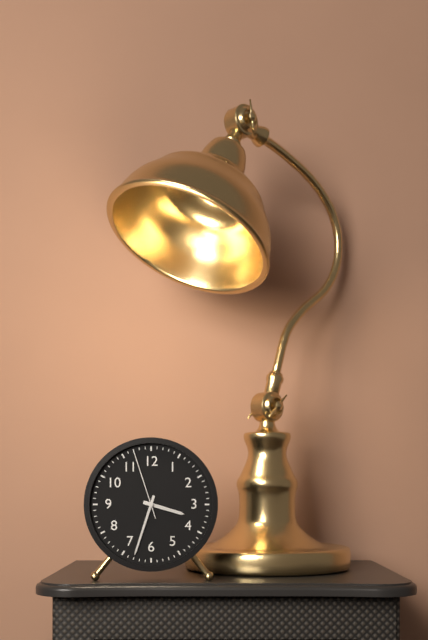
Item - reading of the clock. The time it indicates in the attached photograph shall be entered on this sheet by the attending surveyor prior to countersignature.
3:33:57
